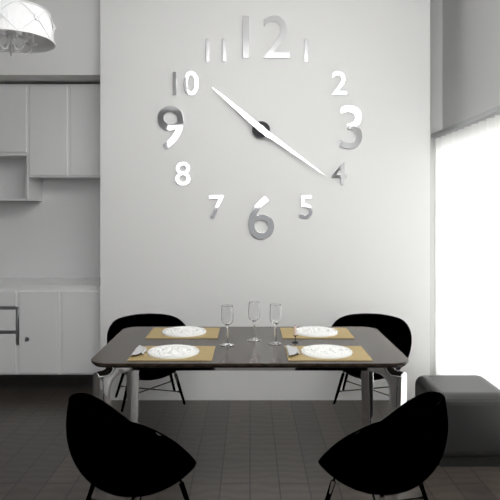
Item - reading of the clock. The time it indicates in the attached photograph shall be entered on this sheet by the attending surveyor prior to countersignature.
10:21
